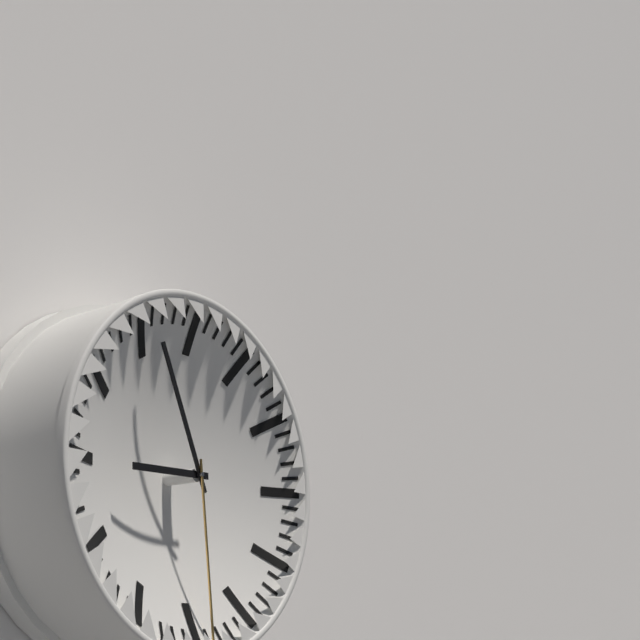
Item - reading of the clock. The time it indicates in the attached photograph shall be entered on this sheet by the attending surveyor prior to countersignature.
8:56
